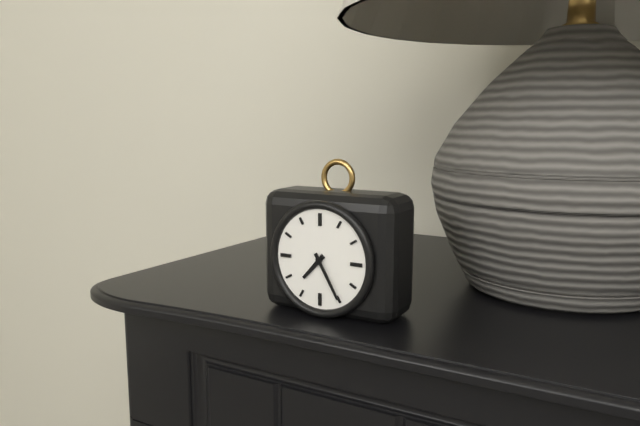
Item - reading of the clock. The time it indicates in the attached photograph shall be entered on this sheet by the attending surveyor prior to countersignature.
7:25
